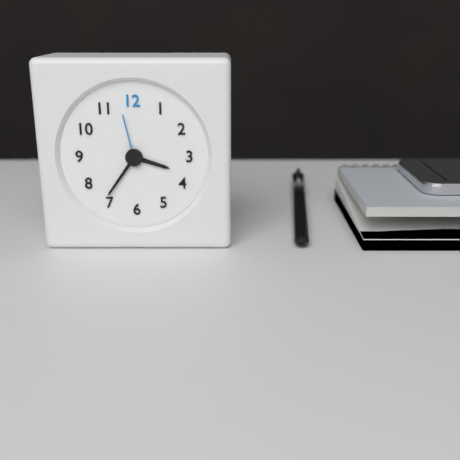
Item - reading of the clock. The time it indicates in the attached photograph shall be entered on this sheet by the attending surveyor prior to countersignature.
3:36
